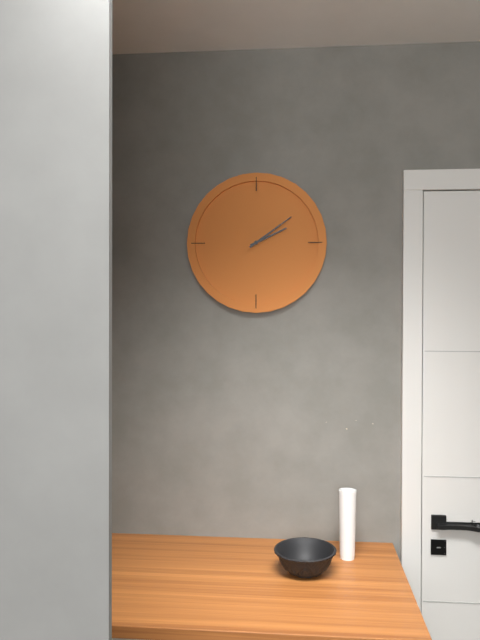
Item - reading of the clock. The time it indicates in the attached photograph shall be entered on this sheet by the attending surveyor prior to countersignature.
2:09
